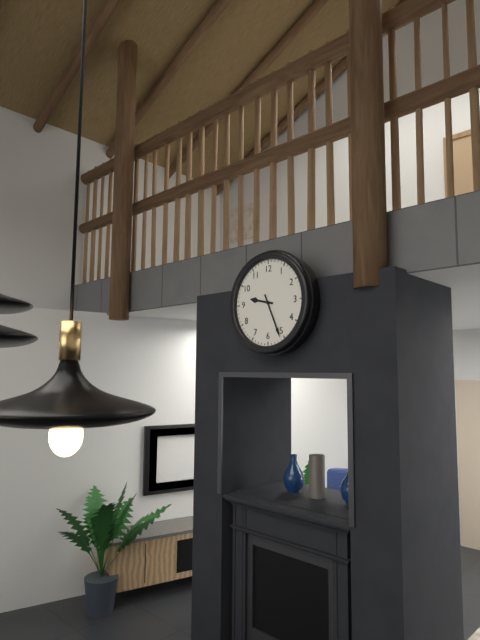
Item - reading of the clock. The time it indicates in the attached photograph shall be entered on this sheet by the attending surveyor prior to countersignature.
9:26
